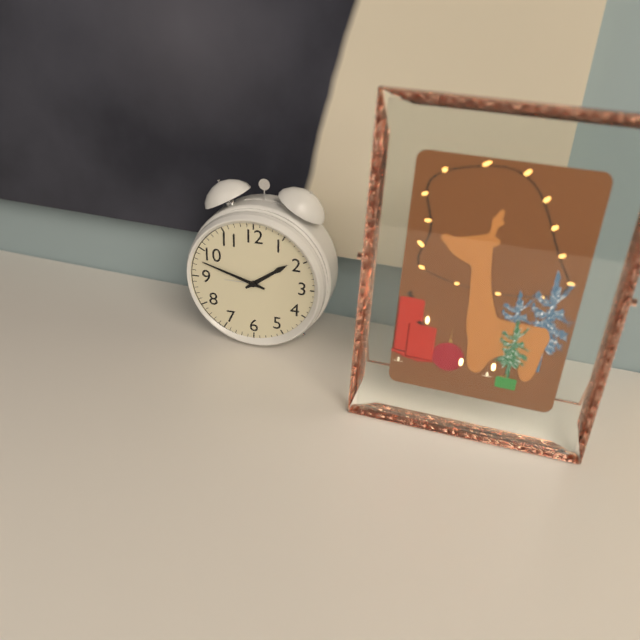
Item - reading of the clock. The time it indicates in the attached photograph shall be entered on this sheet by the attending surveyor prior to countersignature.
1:48
